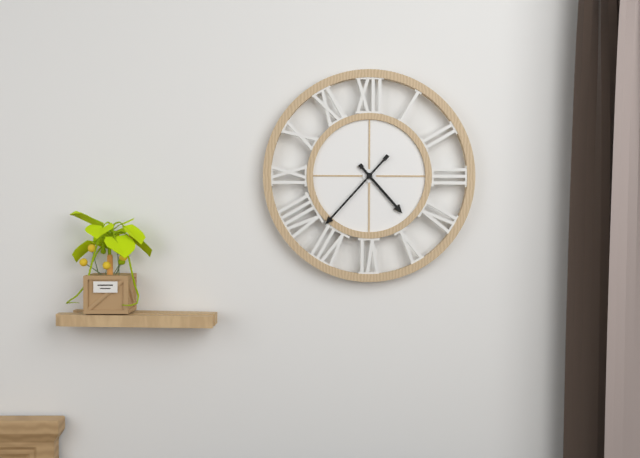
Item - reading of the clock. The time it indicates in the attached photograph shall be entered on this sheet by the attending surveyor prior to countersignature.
4:37
